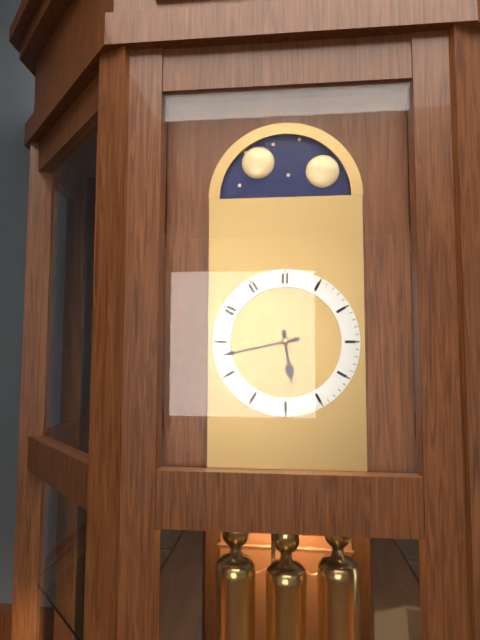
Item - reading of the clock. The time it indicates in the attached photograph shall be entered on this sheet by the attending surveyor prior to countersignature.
5:43
